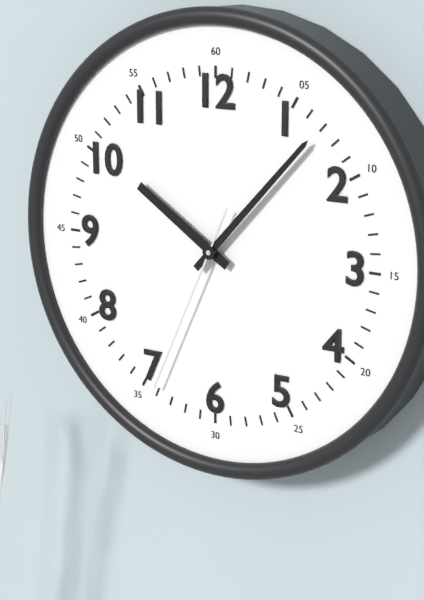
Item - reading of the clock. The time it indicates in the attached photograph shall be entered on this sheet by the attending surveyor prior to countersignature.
10:07:34
